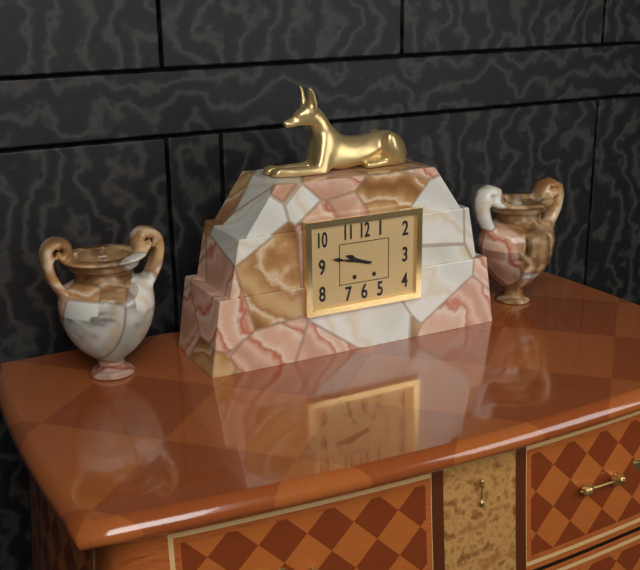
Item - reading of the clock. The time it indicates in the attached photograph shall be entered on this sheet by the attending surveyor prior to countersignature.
9:47
